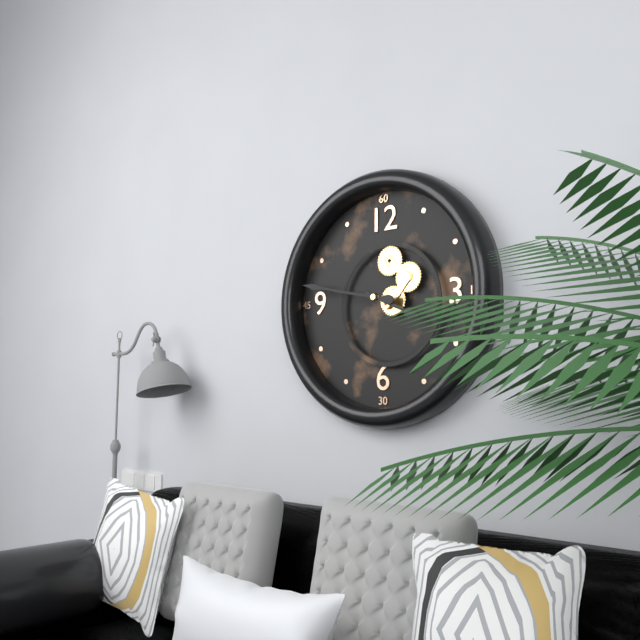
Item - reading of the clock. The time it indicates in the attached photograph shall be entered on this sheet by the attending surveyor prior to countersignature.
3:47
